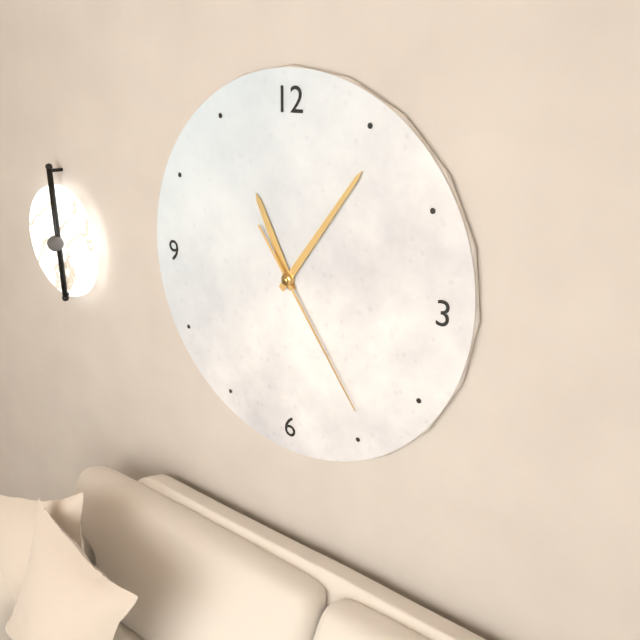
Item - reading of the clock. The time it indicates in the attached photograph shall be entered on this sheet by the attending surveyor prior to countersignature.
11:06:24
